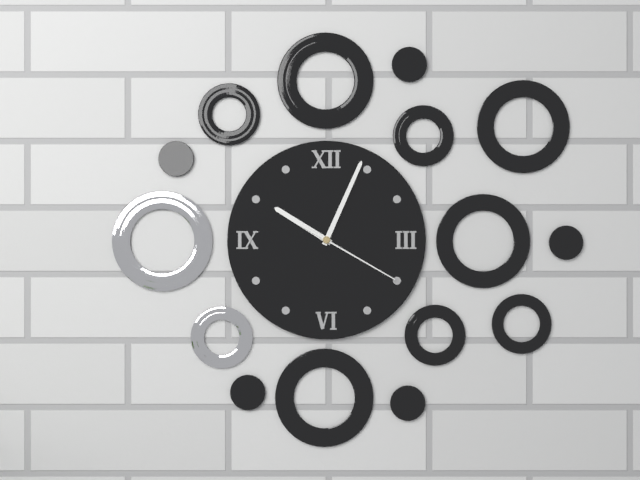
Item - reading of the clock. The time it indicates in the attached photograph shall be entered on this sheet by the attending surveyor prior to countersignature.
10:04:20
